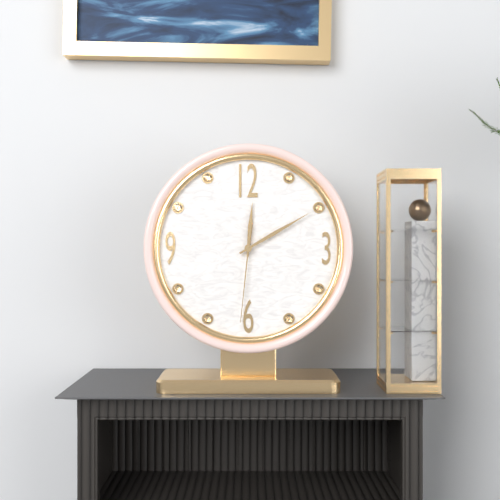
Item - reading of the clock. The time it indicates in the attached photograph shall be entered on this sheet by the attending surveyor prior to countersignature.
12:10:31
